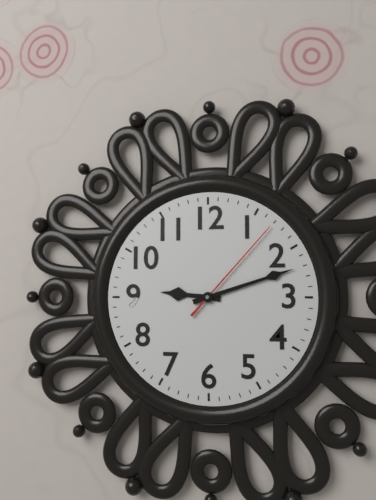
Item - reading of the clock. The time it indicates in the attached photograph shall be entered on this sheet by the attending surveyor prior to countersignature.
9:12:07
